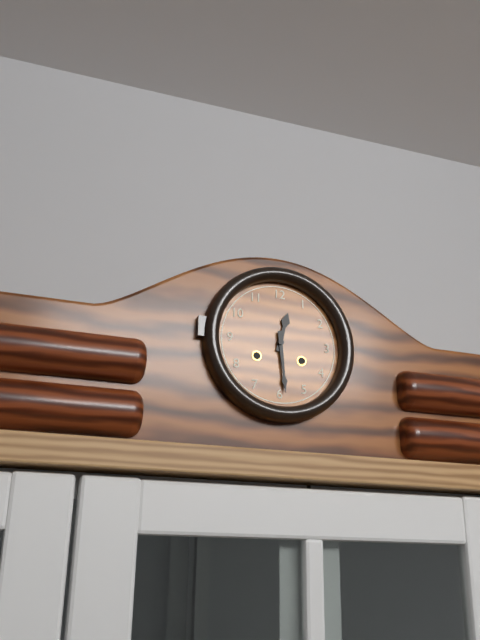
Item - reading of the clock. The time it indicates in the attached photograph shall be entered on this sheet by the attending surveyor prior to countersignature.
12:29
